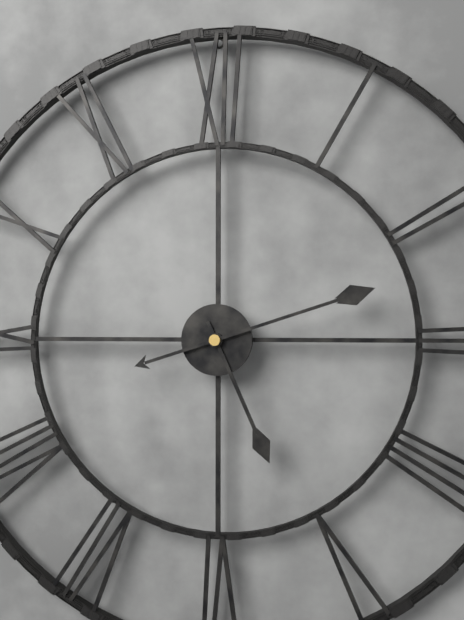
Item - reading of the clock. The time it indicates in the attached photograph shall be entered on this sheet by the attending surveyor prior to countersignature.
5:12
